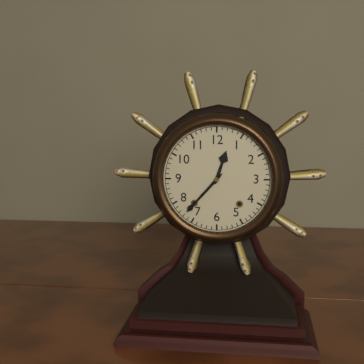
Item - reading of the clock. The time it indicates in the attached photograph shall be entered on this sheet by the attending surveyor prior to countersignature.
12:37
